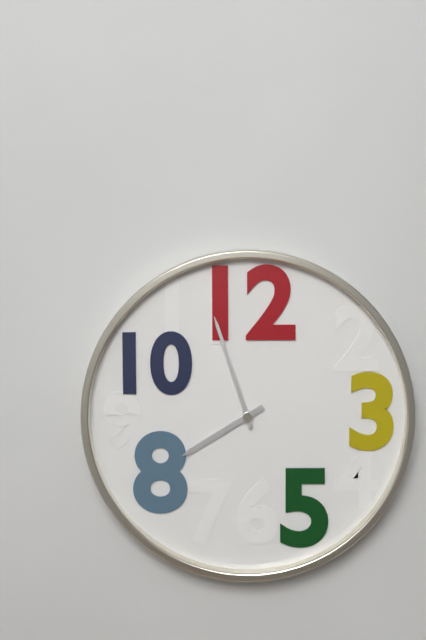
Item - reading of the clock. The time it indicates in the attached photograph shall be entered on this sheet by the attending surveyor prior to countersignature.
7:57
